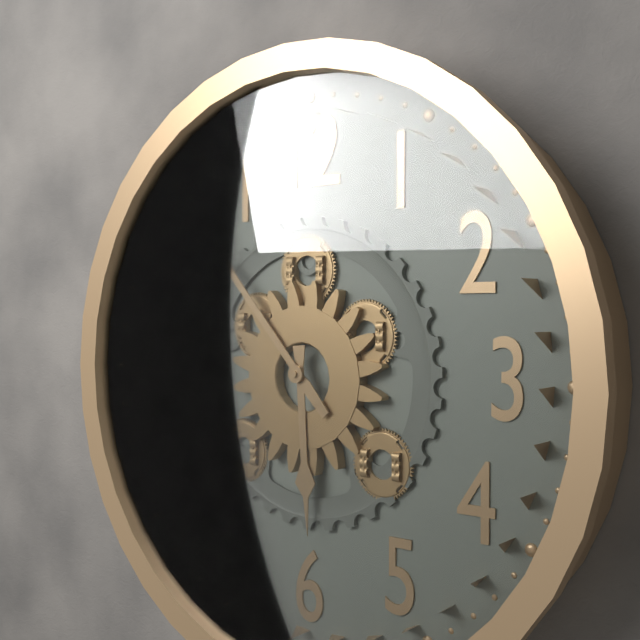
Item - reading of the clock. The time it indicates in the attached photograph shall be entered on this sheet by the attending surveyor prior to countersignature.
5:53
